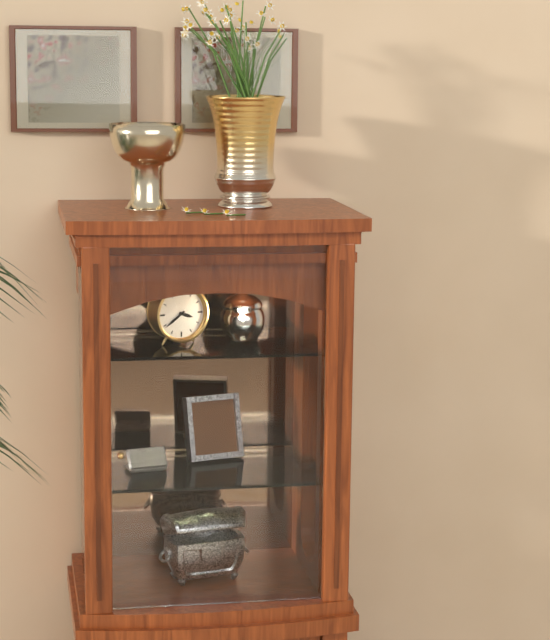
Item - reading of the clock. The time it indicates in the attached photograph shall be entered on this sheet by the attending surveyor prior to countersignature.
3:39
